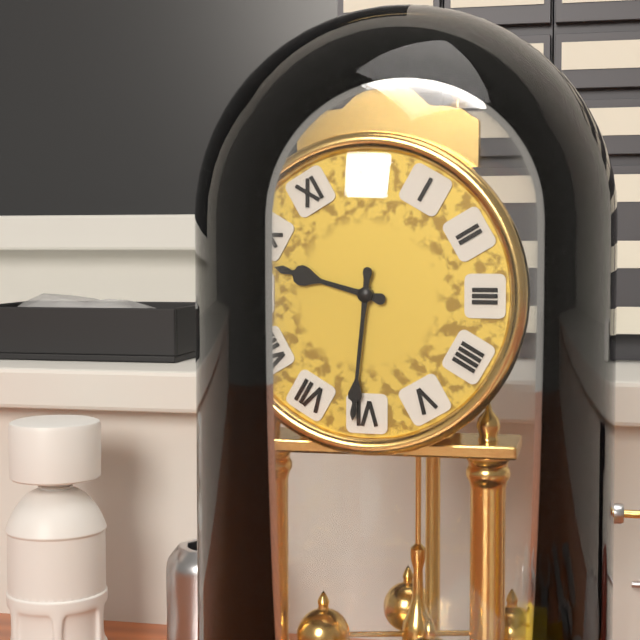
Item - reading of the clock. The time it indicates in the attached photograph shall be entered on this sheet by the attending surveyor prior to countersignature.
9:31
